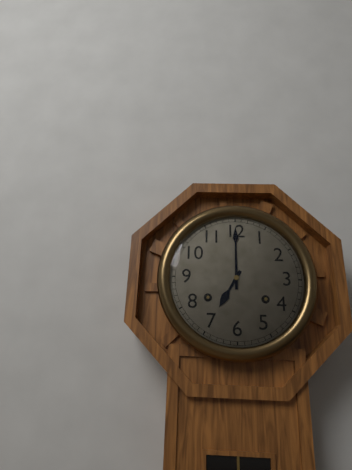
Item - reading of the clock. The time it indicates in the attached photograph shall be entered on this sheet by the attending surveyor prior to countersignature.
7:00
